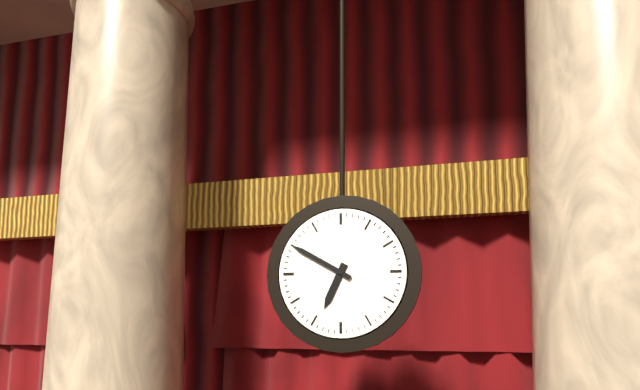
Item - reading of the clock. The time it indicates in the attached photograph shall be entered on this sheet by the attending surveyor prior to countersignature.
6:50
